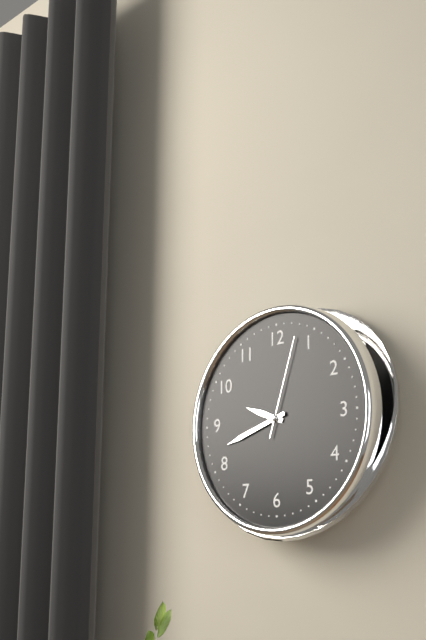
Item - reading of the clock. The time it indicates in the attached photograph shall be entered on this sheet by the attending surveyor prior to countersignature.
9:42:03
